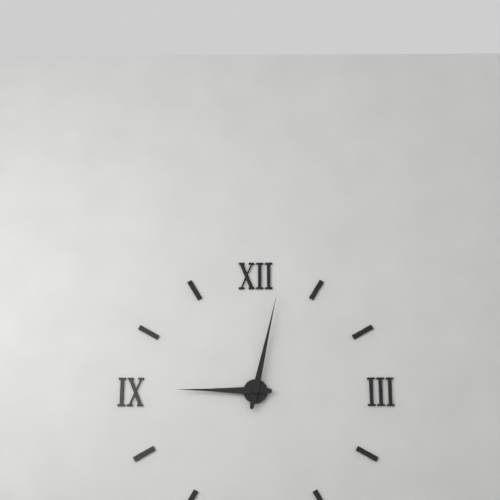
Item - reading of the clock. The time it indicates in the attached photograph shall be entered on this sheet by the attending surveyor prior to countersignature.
9:02
